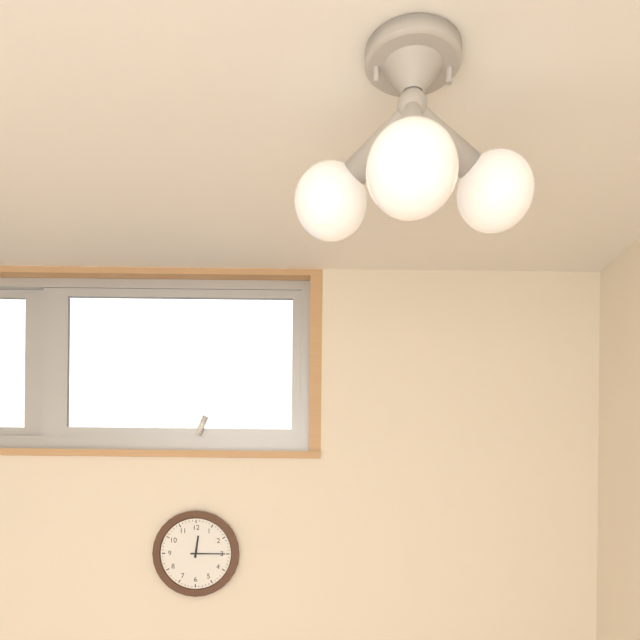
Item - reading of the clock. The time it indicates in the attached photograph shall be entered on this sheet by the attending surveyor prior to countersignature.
12:15
